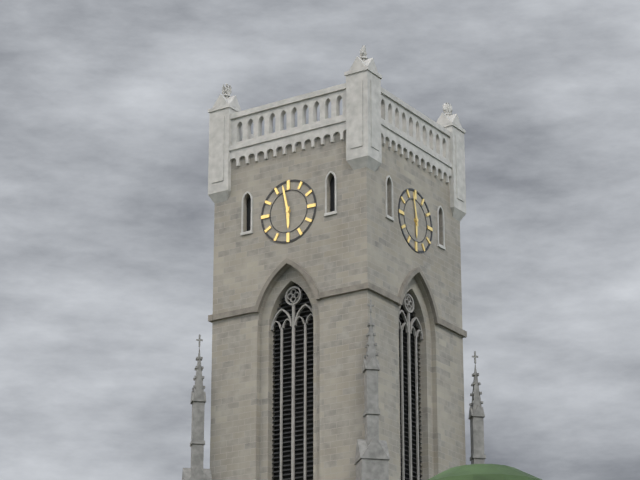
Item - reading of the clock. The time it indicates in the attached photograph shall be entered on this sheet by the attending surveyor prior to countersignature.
5:58
